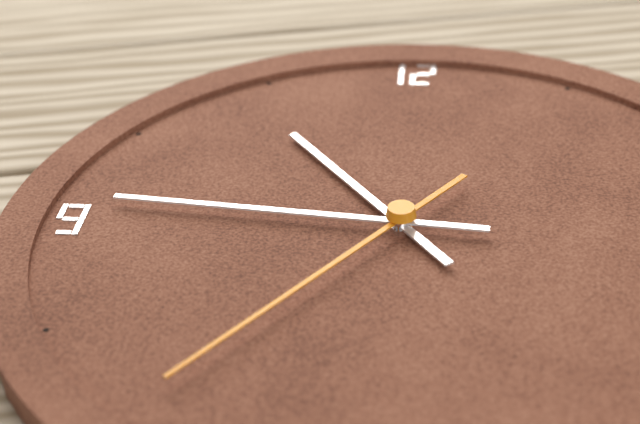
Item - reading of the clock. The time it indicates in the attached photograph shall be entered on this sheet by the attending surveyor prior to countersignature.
10:46:36
